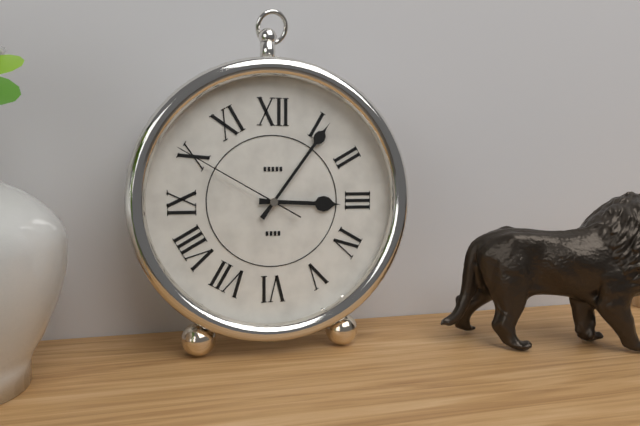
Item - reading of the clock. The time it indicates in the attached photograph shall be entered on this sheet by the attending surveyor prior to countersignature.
3:06:50
